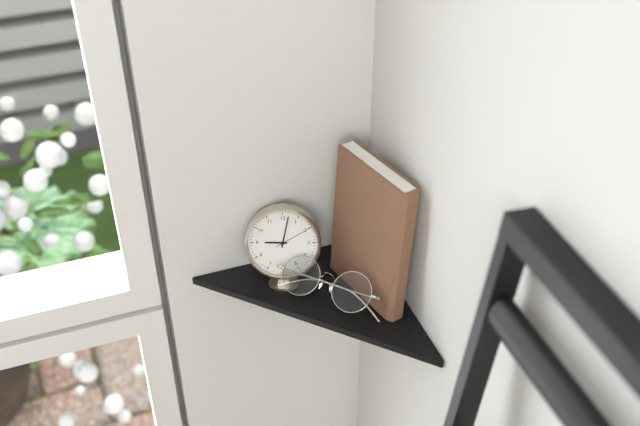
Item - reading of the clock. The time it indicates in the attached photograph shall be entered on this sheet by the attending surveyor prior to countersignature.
9:02
